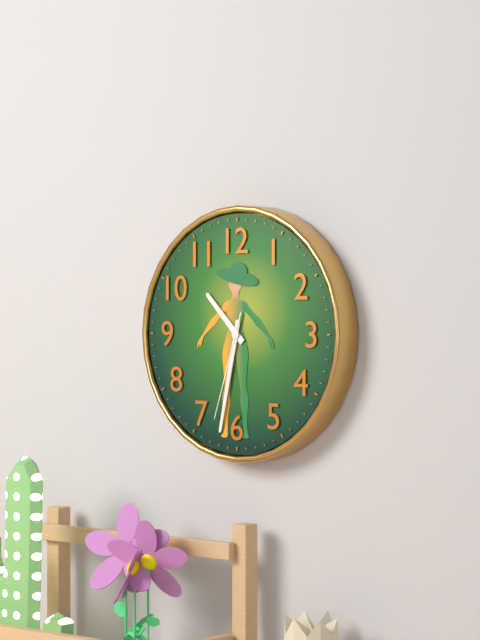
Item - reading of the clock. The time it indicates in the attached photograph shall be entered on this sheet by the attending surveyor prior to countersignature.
10:32:33
